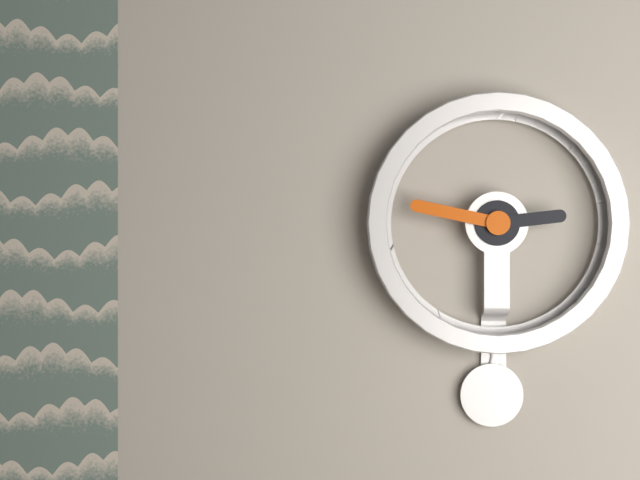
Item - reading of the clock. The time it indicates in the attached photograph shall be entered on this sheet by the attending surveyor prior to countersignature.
2:47
